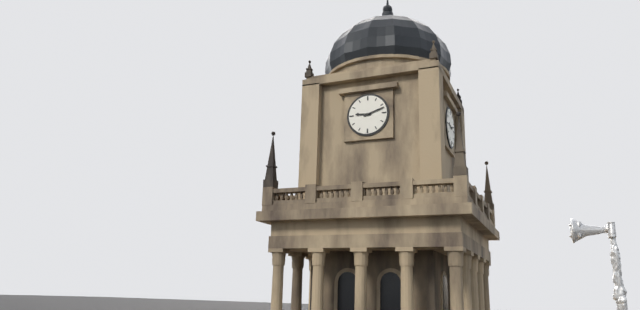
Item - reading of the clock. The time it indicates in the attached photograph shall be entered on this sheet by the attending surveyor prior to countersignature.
9:12
